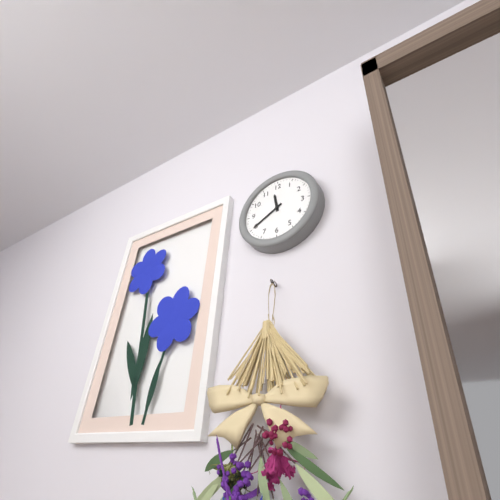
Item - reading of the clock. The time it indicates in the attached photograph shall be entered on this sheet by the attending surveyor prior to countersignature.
11:40
